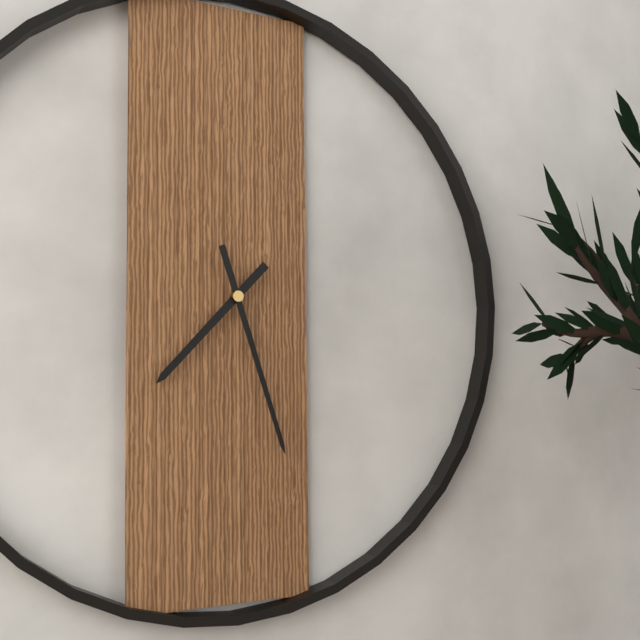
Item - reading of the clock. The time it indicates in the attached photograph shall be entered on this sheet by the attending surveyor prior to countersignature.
7:27
